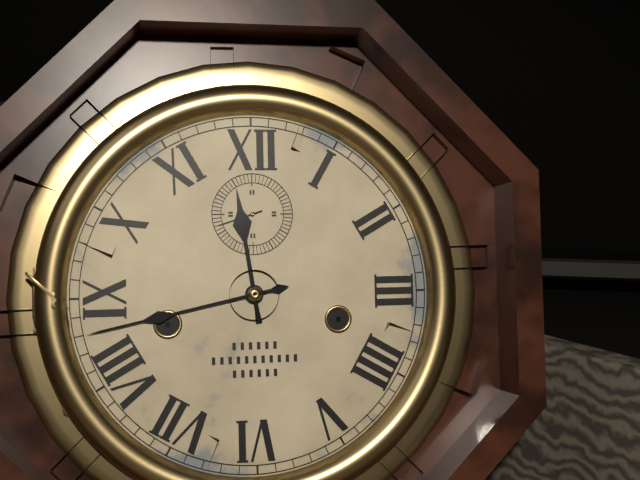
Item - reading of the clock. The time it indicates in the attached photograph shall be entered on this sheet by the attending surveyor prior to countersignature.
11:43
